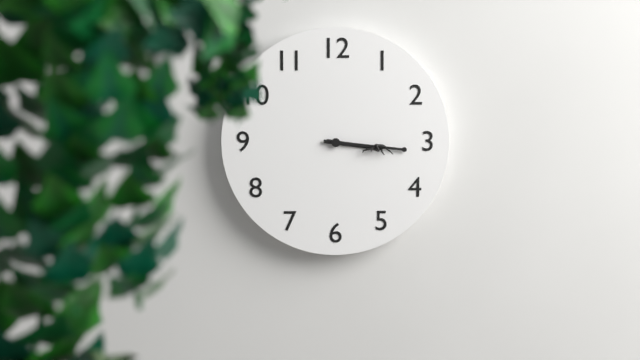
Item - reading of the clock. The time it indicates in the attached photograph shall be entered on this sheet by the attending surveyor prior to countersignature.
3:16
